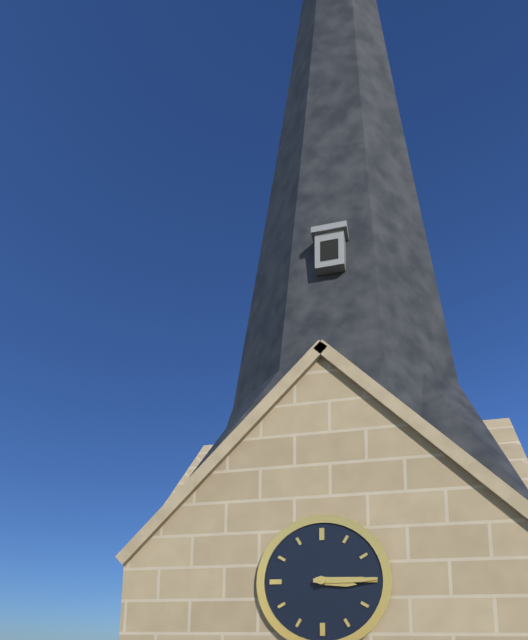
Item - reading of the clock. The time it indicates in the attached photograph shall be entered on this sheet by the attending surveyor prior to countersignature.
3:15
